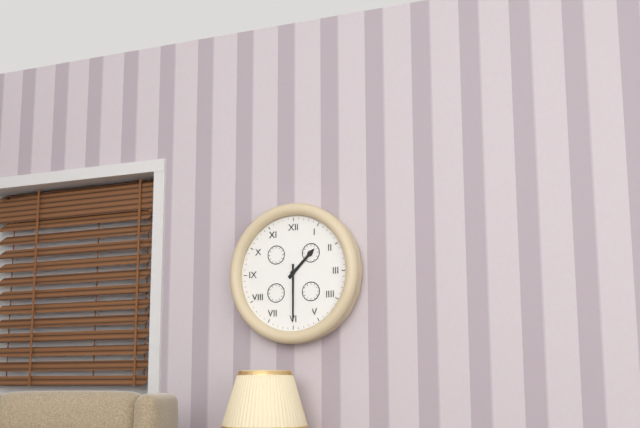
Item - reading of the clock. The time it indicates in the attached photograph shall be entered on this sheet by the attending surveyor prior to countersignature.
1:30
